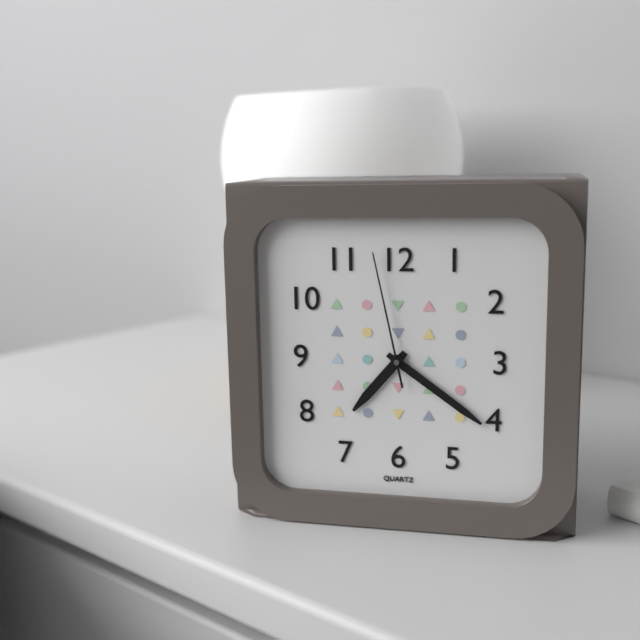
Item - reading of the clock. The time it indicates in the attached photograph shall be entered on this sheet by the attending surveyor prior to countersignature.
7:21:58
